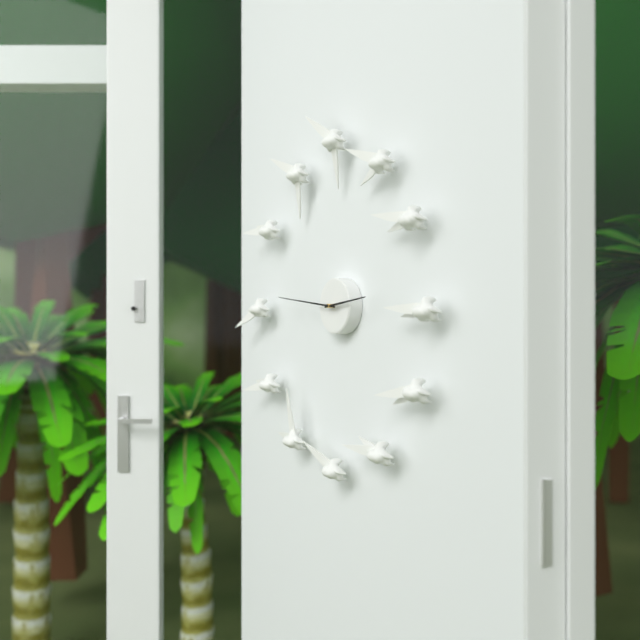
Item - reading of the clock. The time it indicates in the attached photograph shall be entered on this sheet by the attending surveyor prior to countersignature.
2:46
